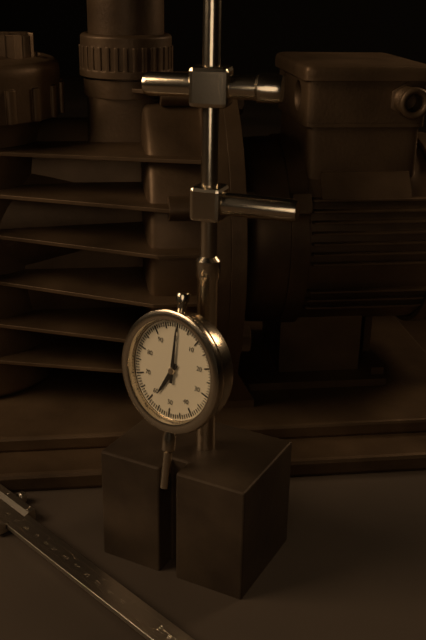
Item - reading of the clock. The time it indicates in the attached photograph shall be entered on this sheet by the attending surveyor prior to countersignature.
7:00
